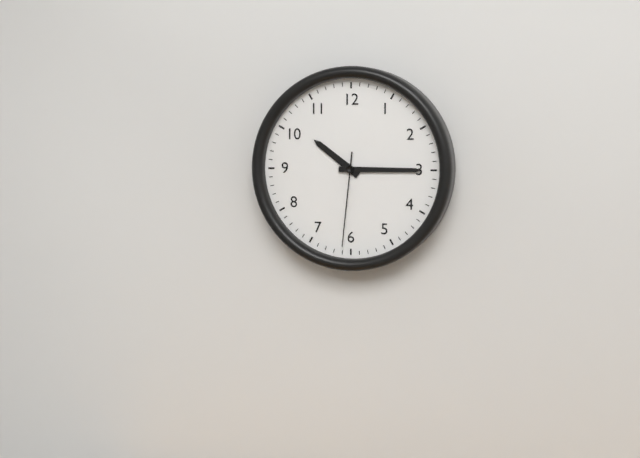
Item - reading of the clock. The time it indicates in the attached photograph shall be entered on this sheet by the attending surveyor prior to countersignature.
10:15:31
